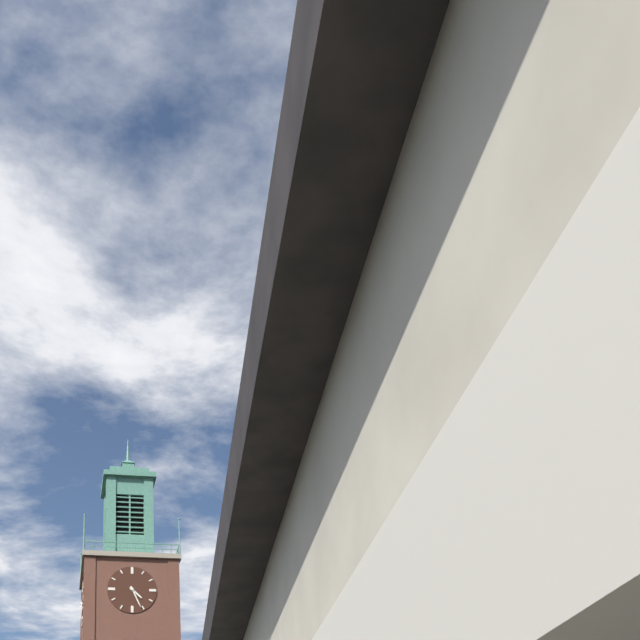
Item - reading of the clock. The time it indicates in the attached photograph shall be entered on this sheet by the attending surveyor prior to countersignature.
4:26
